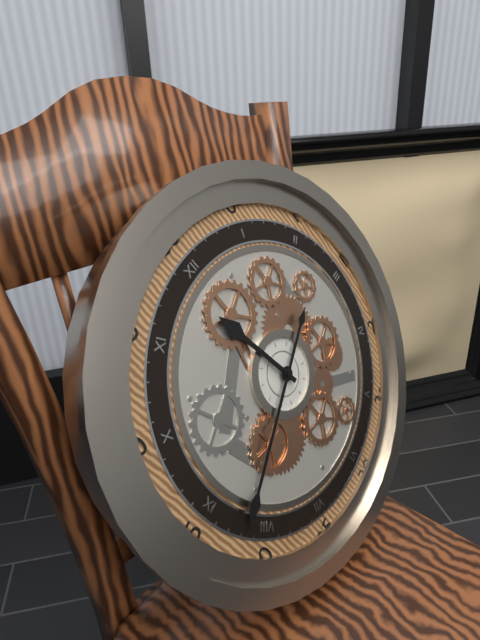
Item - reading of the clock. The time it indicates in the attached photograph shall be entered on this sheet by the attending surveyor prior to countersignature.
11:42
